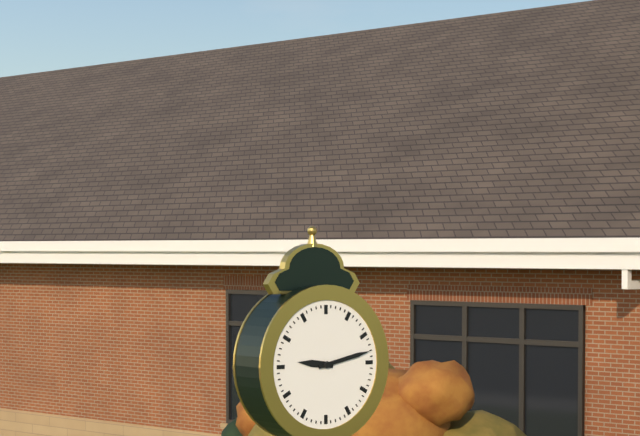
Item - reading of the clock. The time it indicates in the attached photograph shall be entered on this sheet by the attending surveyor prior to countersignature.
9:13
